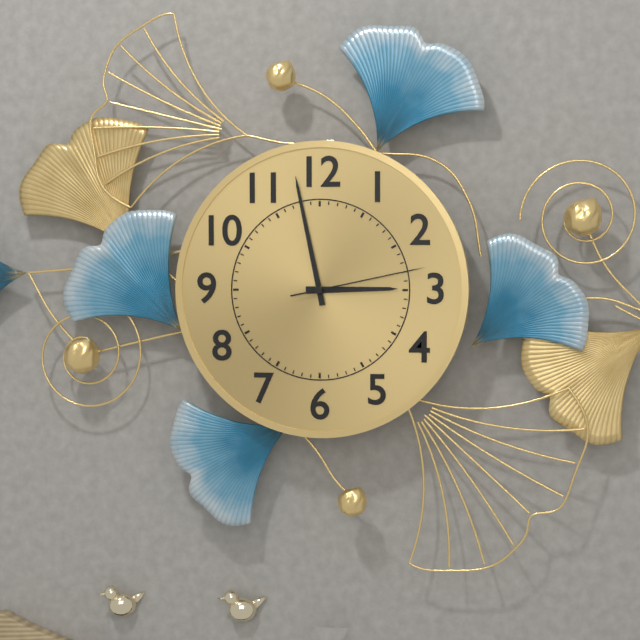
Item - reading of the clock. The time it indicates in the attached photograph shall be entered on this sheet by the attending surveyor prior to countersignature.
2:58:13
